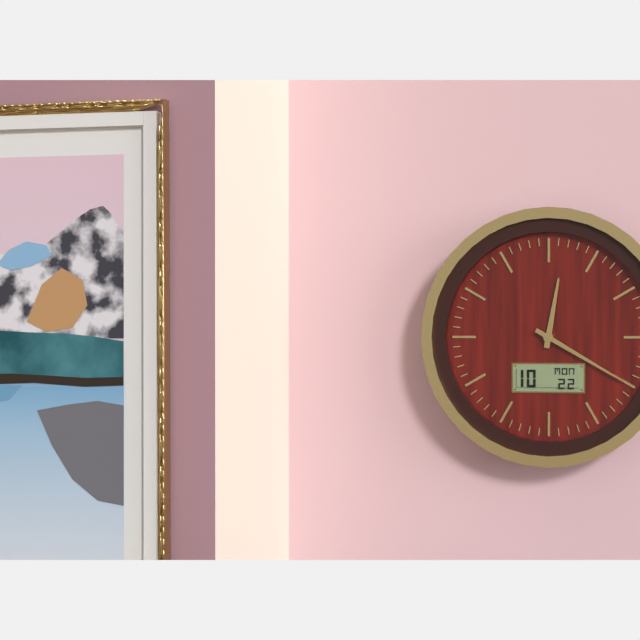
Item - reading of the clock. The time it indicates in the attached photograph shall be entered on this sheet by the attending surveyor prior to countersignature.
12:20
